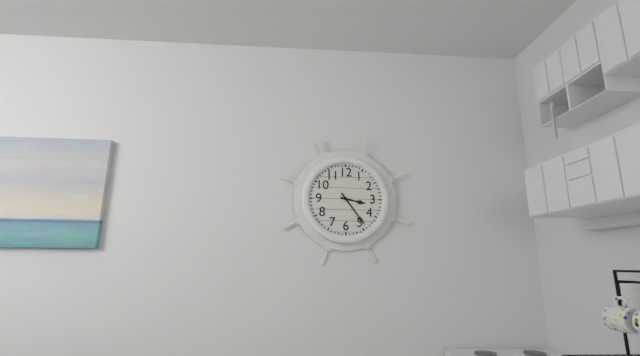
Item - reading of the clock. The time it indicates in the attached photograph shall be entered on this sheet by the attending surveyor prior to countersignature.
3:24
